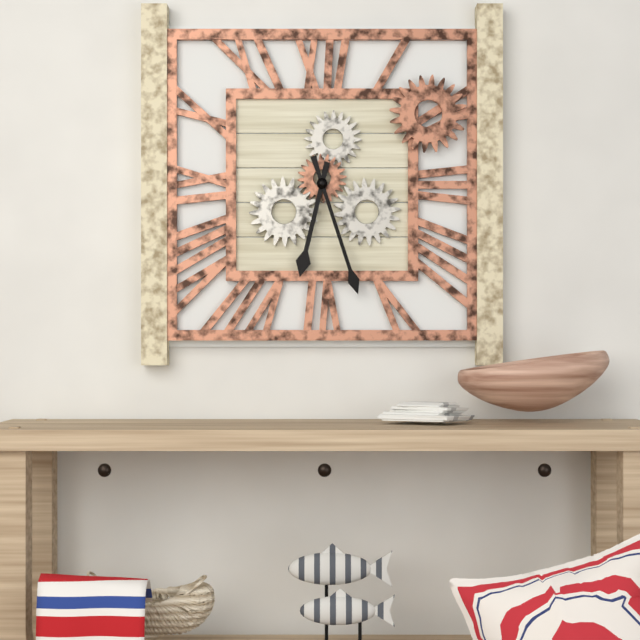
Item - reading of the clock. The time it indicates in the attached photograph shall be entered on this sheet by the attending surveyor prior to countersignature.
6:27
